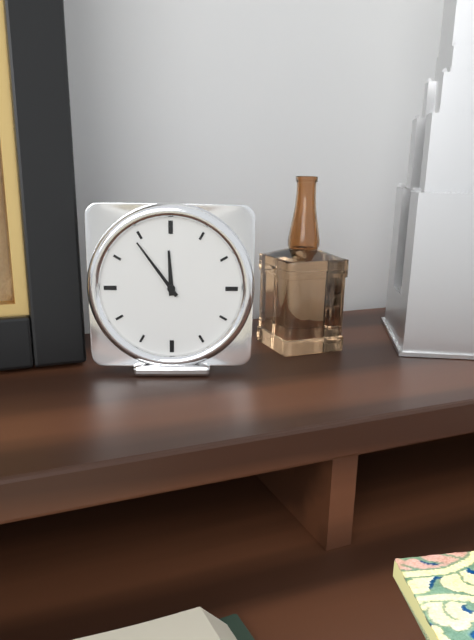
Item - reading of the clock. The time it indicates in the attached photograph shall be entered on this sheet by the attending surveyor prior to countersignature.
11:54
